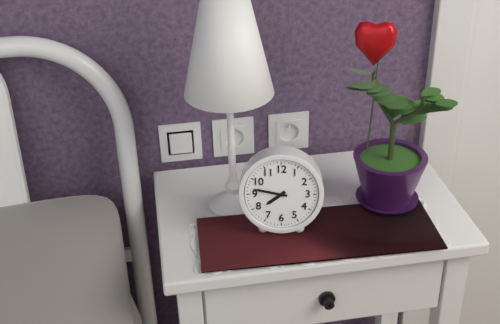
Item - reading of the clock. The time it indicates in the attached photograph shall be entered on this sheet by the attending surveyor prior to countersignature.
7:47
